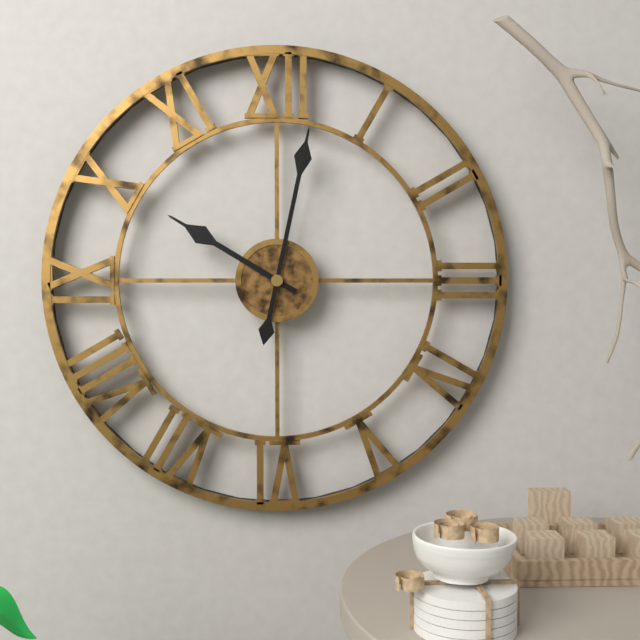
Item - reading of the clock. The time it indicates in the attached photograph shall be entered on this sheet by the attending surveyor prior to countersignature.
10:02
